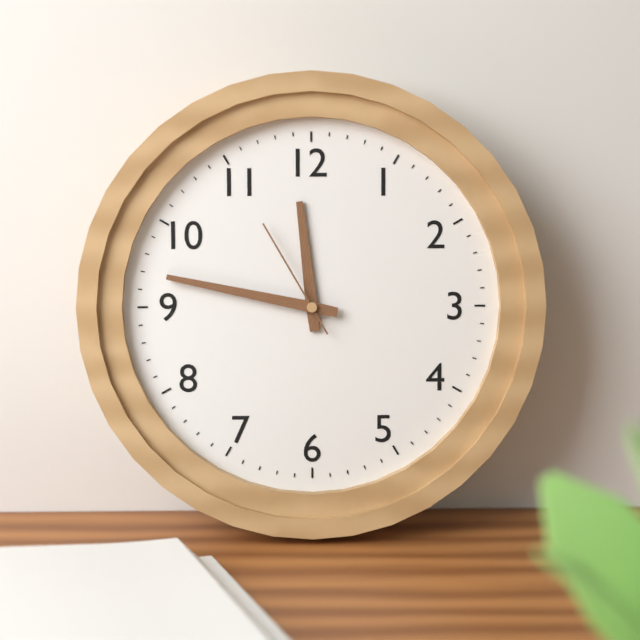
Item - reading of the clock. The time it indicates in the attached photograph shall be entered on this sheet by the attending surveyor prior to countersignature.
11:47:55
